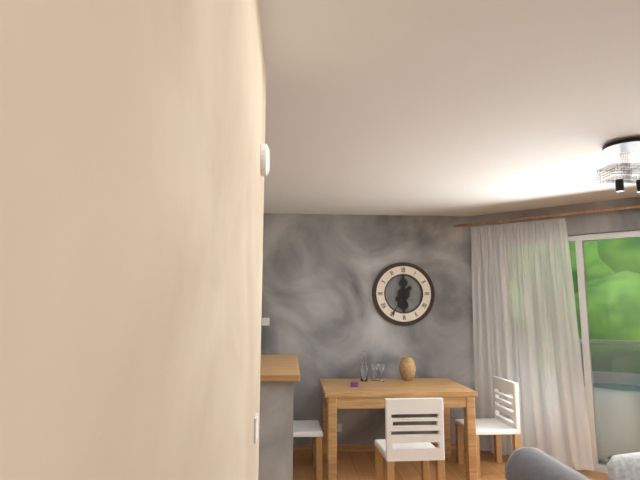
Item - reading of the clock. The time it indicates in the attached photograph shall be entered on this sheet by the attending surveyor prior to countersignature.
5:35
